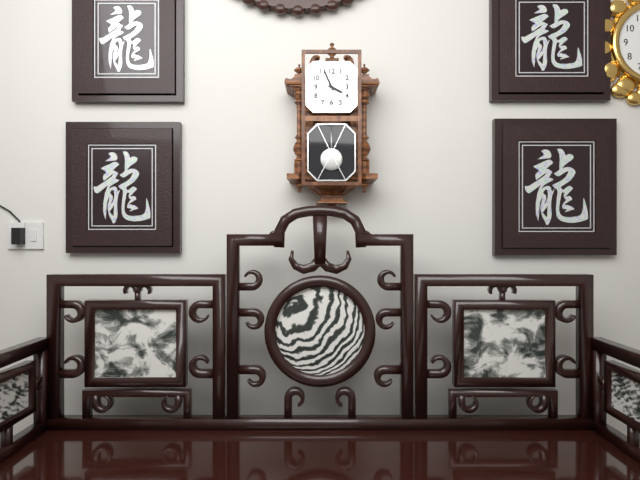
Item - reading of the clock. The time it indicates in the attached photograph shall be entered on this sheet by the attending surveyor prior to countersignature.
3:56
